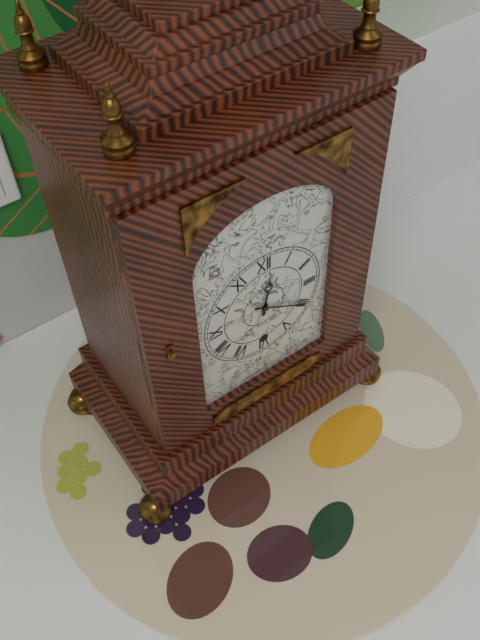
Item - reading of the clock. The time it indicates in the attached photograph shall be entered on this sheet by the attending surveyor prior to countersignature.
12:20
